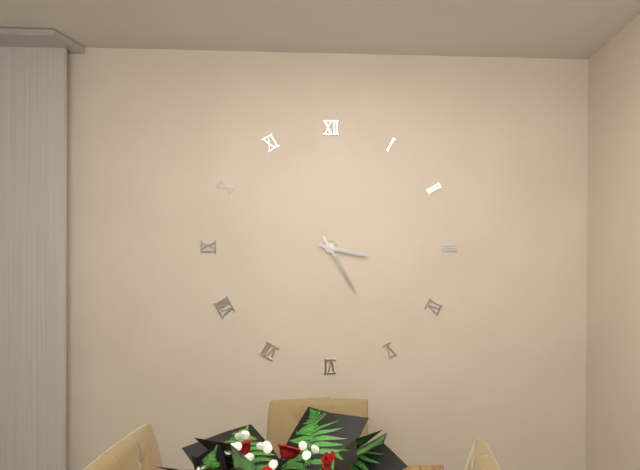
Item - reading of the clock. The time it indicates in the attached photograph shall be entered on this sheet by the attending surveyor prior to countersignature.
3:25
